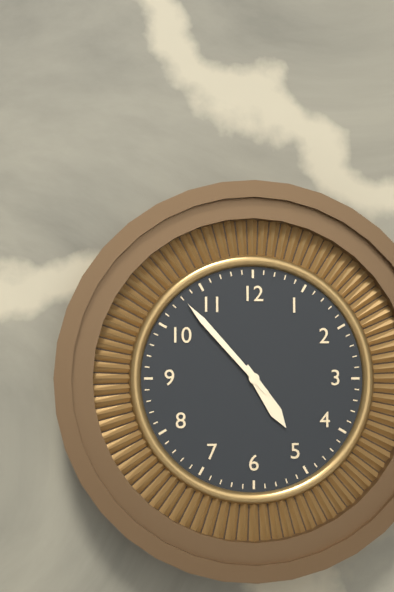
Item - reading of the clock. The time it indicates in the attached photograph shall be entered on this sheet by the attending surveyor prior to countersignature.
4:53
